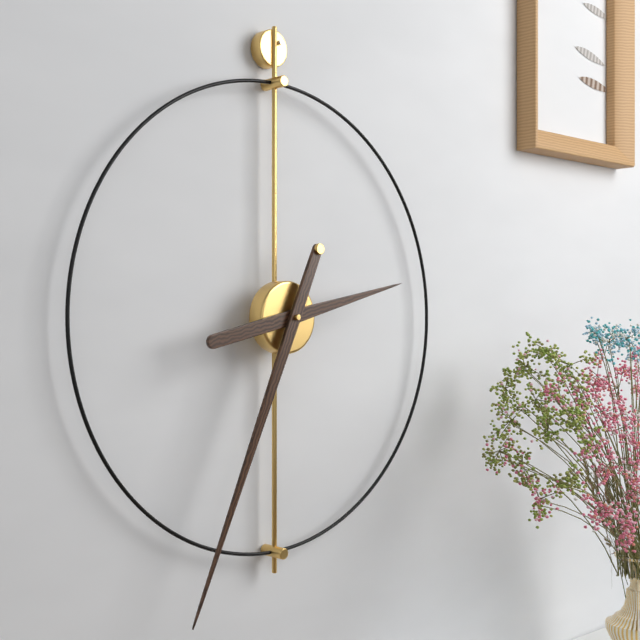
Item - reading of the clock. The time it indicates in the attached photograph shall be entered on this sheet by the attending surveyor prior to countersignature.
2:34
